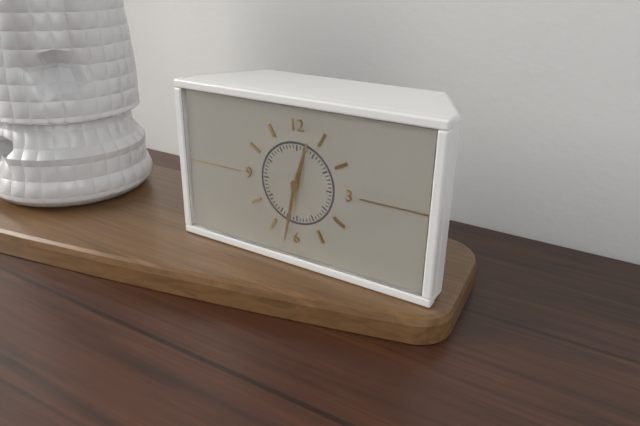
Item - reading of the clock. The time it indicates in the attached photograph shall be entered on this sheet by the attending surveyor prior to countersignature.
12:32
